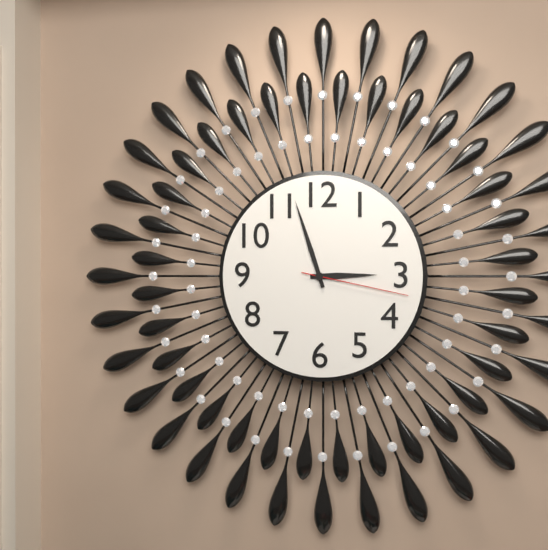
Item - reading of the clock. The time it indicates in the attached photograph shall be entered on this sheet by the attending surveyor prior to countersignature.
2:57:17
